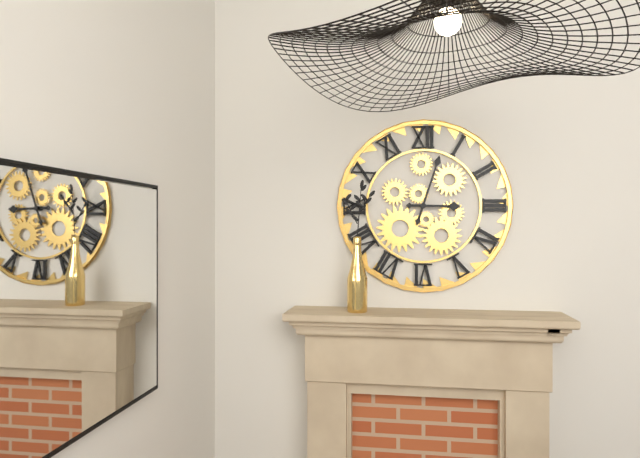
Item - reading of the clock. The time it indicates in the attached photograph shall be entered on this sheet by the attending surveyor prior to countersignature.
3:03
